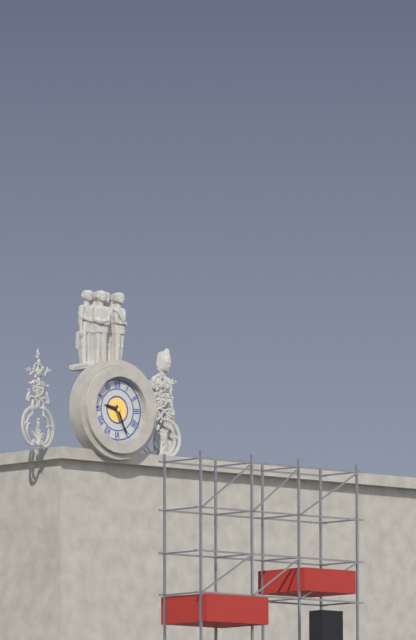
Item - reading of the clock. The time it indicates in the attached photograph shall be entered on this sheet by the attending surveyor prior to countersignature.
9:26
